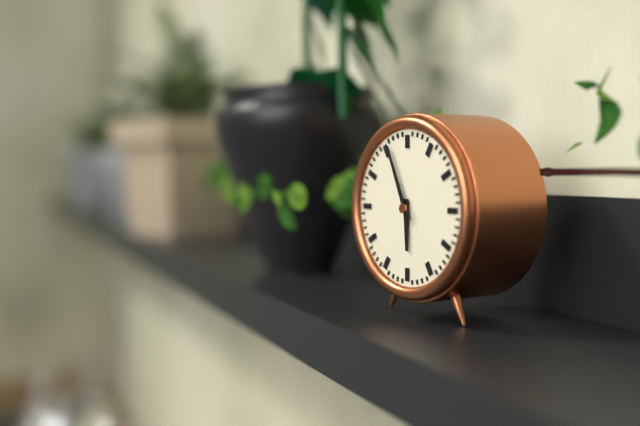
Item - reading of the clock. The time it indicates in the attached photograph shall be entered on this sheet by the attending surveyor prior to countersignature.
5:56
